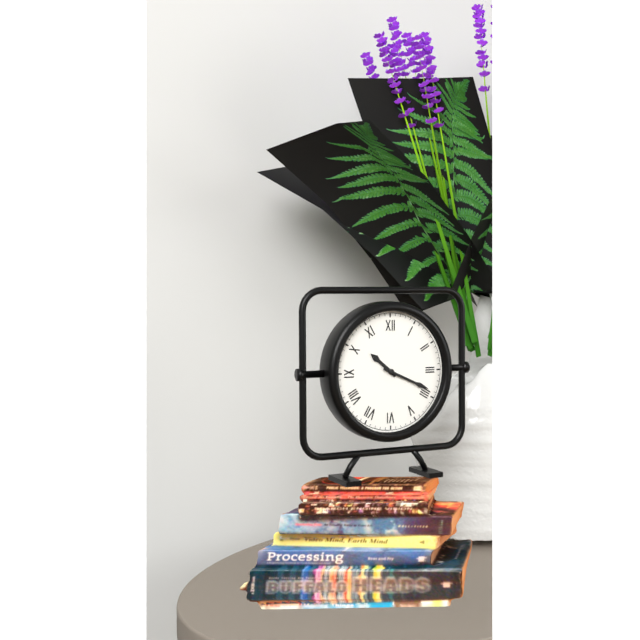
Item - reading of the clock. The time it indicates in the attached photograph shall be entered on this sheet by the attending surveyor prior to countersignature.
10:19
